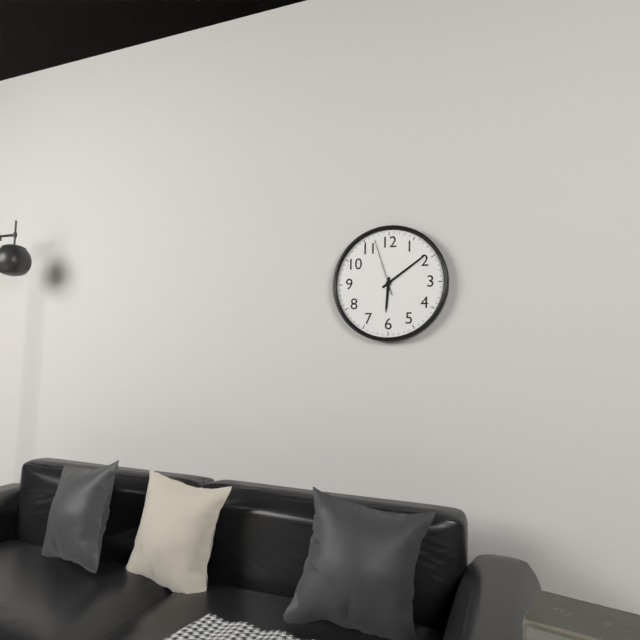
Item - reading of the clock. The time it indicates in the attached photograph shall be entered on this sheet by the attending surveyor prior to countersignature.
6:09:57
